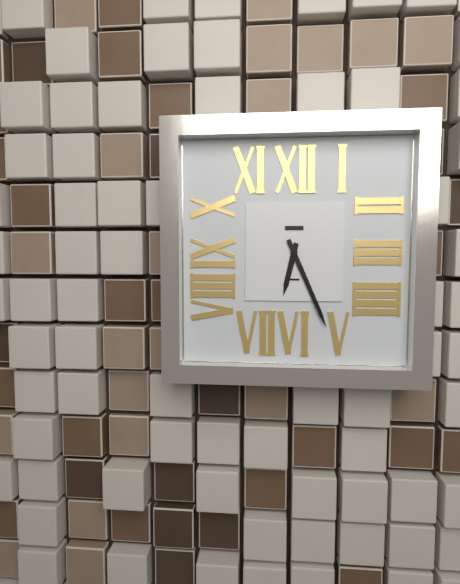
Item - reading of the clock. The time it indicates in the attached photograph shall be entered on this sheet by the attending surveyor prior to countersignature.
6:26
